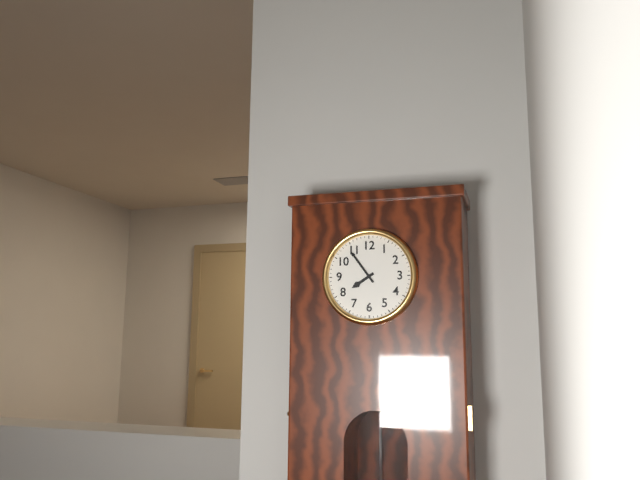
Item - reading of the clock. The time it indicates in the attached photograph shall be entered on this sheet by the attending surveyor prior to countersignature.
7:54
